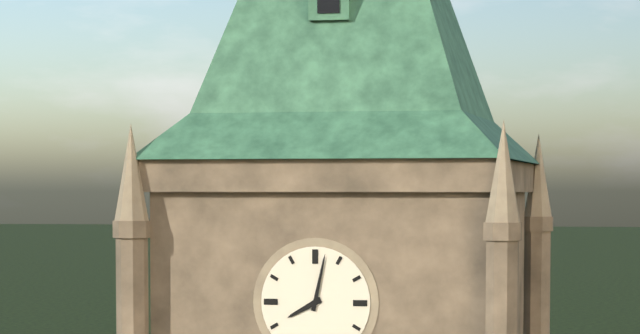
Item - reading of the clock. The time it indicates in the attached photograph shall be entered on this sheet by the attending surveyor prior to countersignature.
8:02
